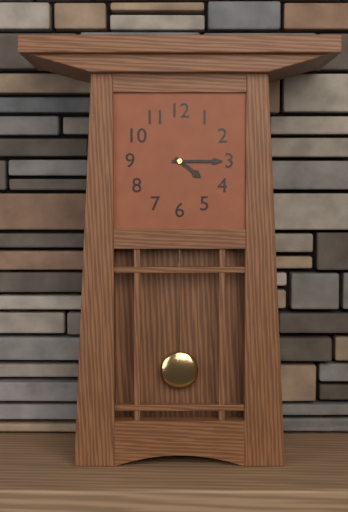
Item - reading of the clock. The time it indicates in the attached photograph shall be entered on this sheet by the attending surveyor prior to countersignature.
4:15
